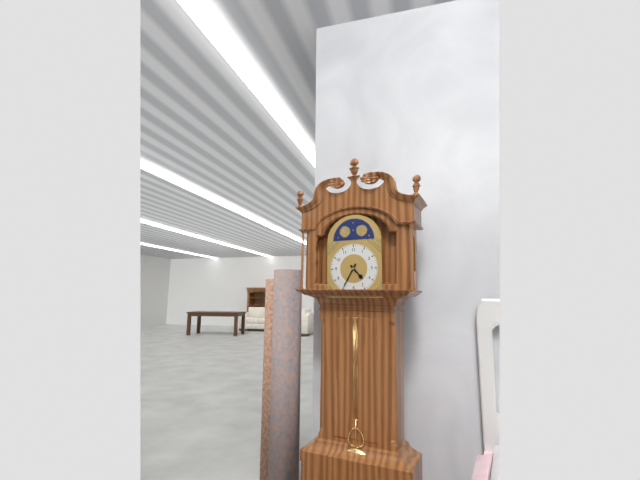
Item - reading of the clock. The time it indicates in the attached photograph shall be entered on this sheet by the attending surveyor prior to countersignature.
4:35
